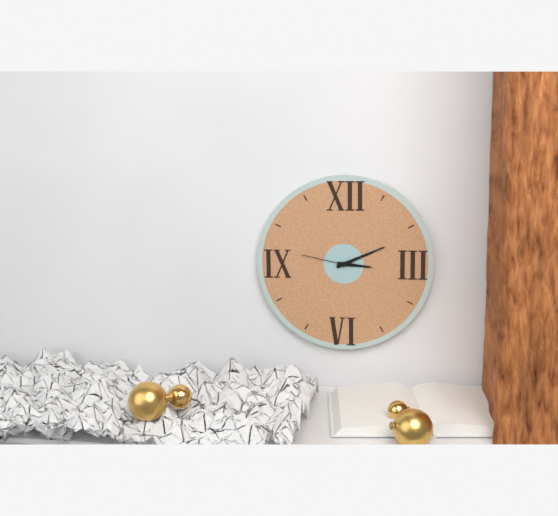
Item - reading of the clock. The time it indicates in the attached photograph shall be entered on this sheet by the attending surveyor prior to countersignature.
3:11:47
